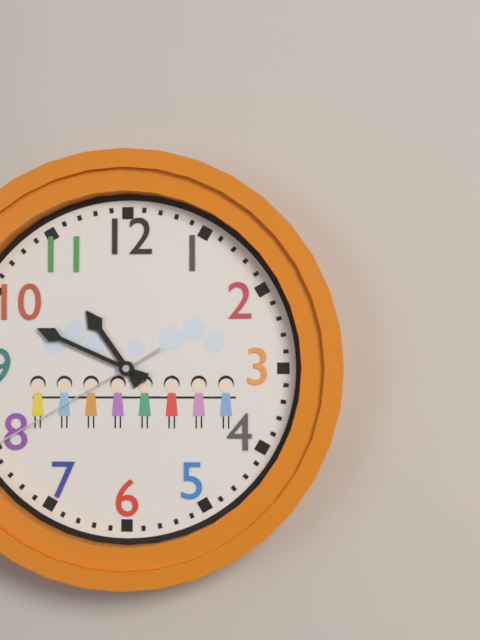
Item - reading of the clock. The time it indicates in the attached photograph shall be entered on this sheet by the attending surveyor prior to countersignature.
10:49
